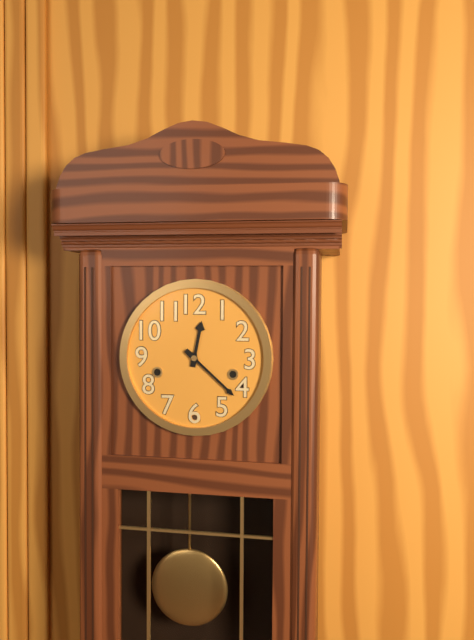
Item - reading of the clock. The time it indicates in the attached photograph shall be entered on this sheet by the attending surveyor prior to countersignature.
12:22
